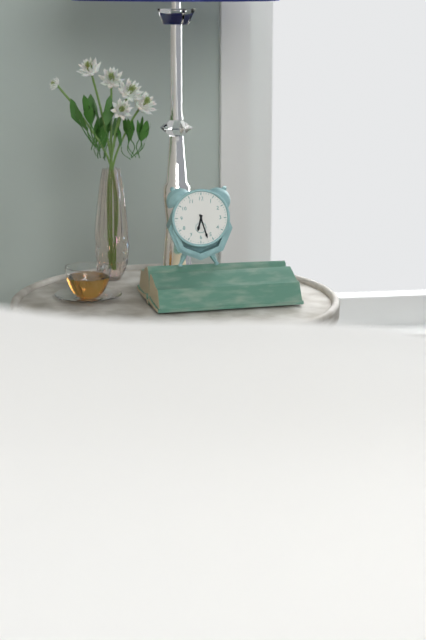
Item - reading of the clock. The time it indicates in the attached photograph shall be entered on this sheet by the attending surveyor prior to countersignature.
6:27
